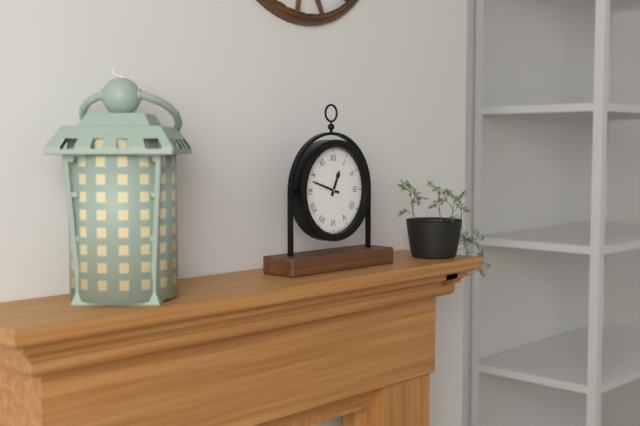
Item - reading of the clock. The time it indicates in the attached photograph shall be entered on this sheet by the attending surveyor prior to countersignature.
12:48
